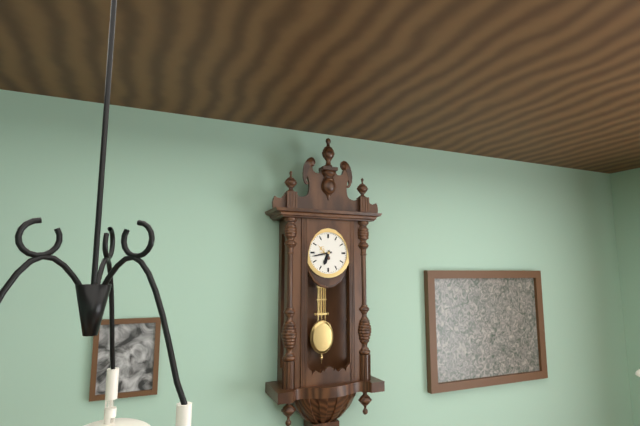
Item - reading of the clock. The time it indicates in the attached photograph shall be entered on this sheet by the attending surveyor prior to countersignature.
6:43
